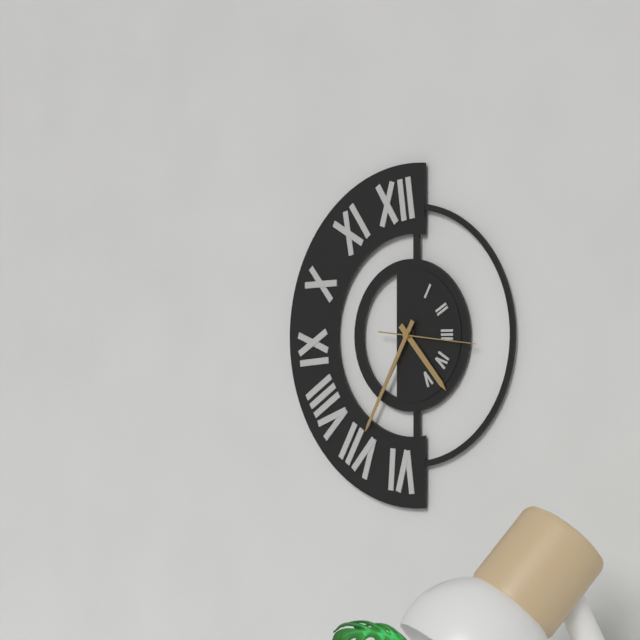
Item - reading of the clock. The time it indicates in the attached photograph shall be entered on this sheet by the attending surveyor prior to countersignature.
4:35:16
